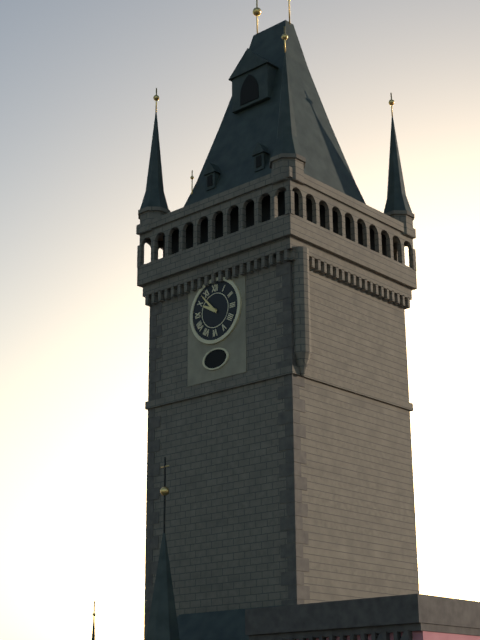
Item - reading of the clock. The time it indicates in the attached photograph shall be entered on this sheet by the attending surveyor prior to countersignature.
9:53
